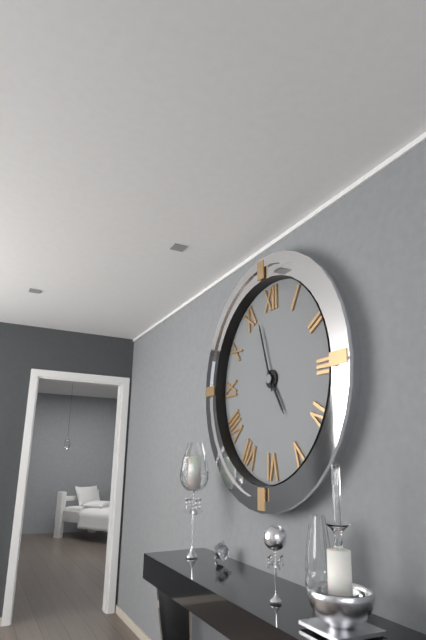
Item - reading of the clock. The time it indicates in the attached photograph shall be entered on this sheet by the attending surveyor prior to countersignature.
4:57
